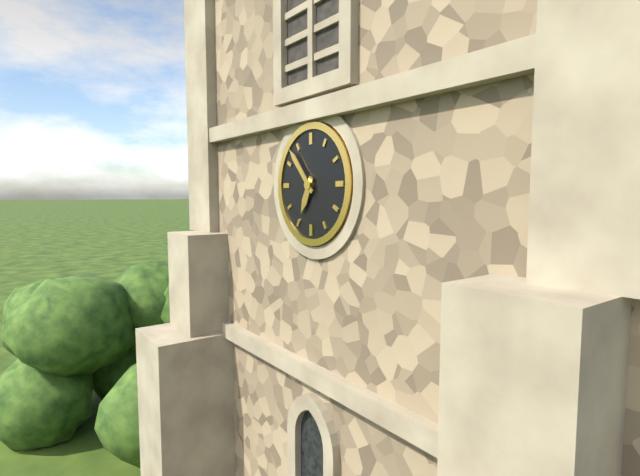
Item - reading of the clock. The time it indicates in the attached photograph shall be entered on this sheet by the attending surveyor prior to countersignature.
6:53
